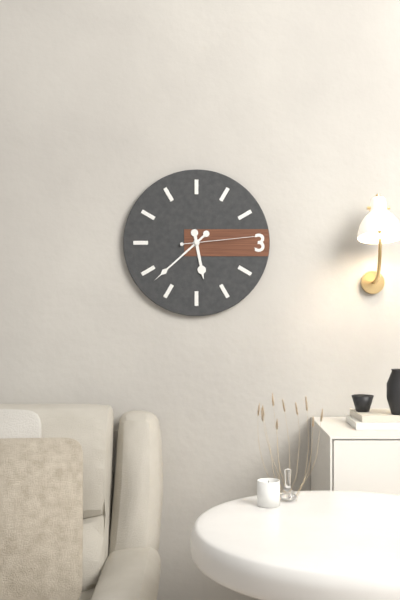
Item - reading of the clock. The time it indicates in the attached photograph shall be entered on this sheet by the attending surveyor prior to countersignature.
5:38:14
